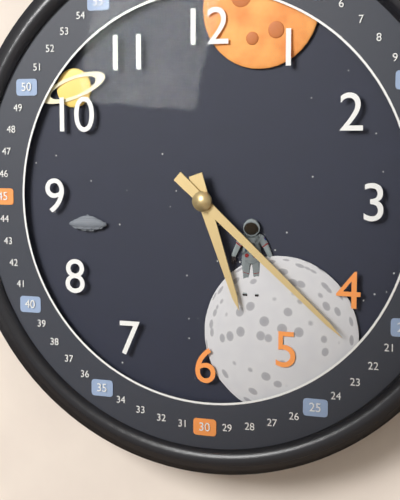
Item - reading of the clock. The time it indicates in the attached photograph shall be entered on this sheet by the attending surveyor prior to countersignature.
5:22
